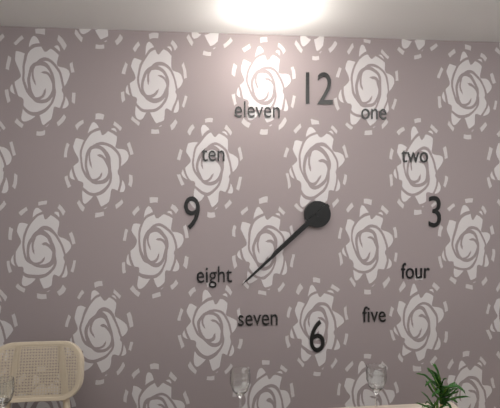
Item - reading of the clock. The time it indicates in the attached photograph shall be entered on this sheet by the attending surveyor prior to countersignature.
7:38
